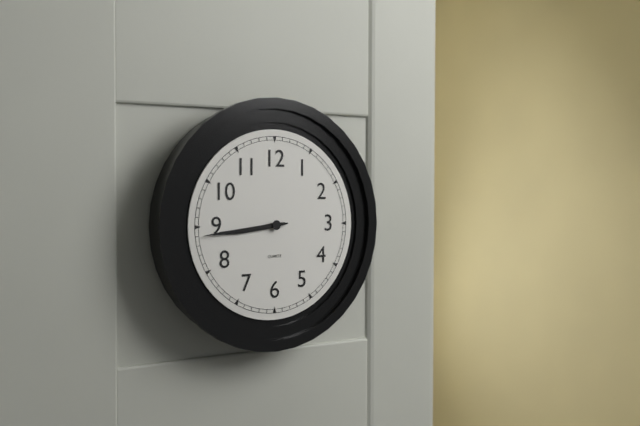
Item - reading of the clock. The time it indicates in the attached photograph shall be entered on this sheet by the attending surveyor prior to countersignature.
8:44
